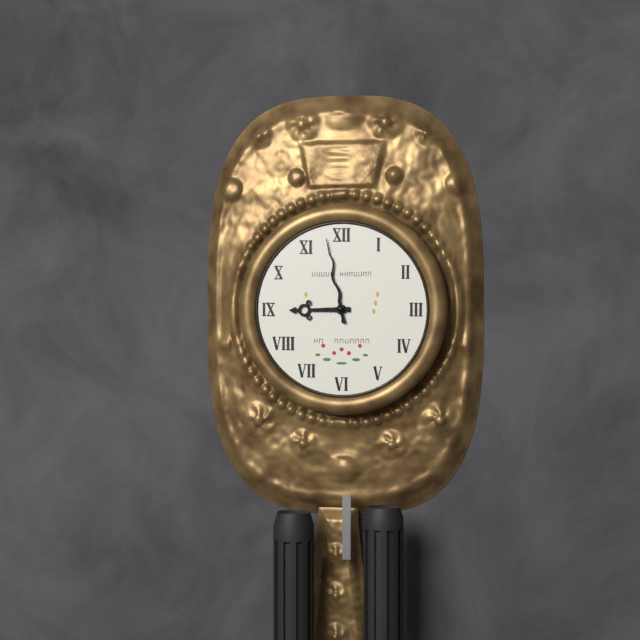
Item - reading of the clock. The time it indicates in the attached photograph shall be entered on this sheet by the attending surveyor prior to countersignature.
8:58
